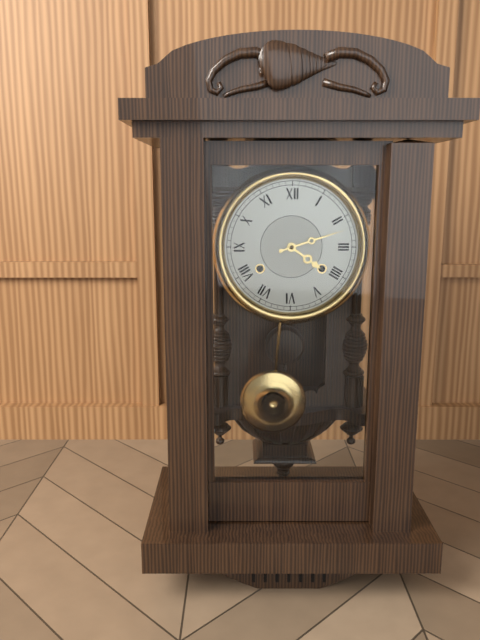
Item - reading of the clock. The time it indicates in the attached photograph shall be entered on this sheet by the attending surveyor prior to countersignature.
4:12
